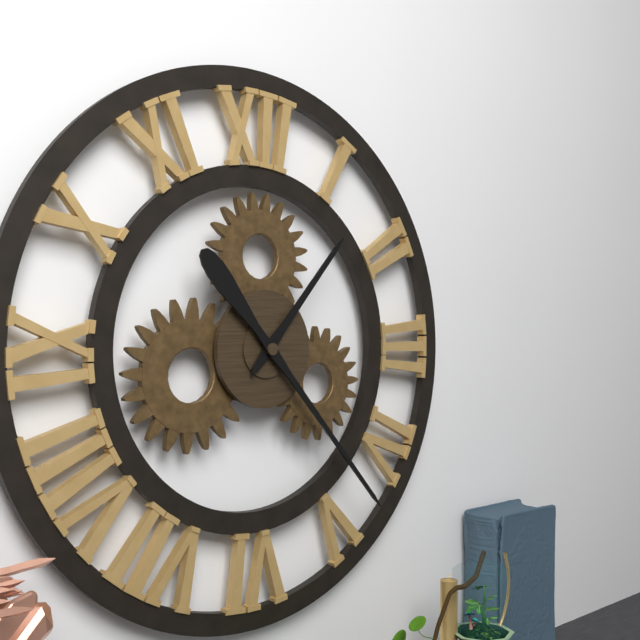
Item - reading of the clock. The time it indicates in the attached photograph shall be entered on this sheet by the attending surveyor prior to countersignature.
1:23
